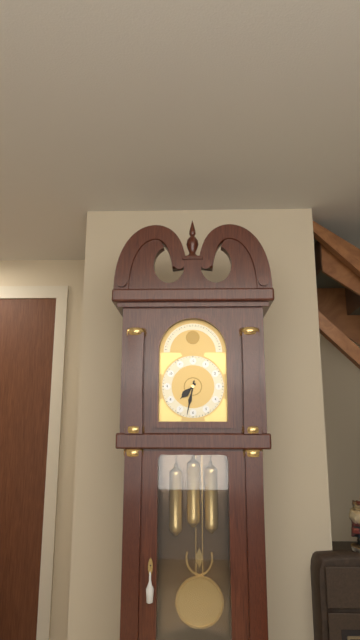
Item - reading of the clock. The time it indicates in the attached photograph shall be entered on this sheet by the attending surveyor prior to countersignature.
7:32
